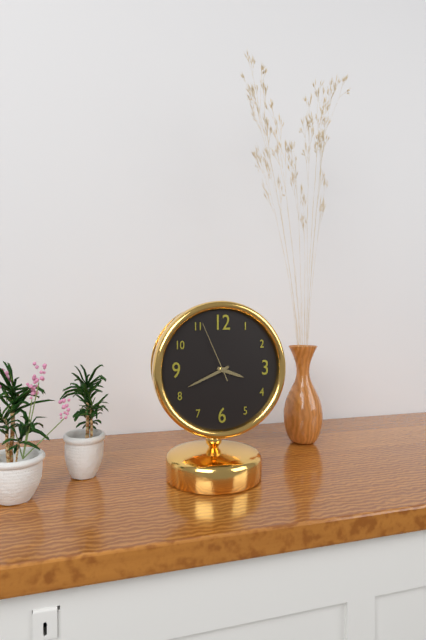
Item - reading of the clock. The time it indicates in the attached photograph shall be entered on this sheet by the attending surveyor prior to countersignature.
3:41:56
